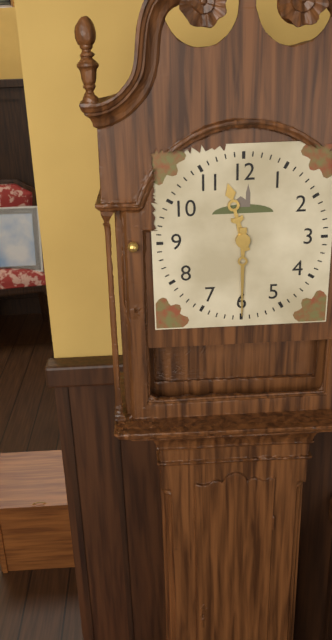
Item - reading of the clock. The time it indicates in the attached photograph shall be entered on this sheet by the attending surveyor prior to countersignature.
11:30
